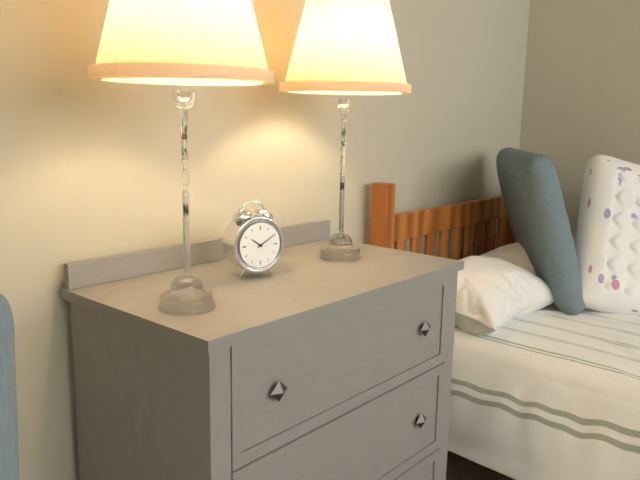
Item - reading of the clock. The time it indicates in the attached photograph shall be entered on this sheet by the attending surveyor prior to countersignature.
10:10
